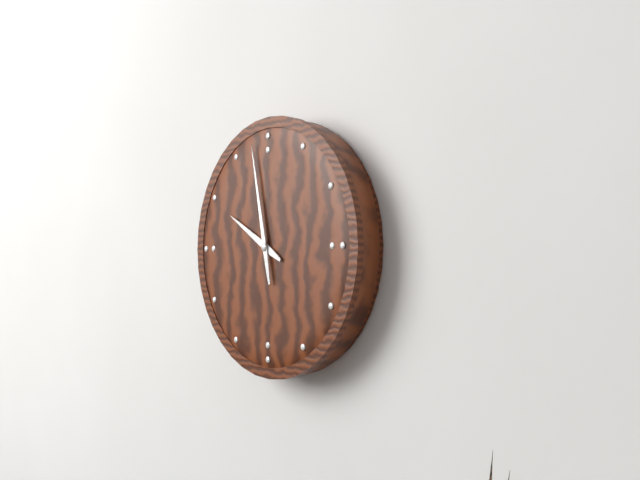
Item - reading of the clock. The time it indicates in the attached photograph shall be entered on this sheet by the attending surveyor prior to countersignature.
9:58
